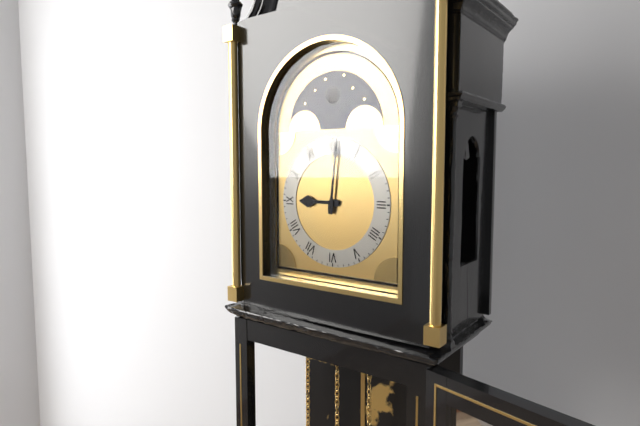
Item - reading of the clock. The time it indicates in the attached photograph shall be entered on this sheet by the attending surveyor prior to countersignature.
9:01
